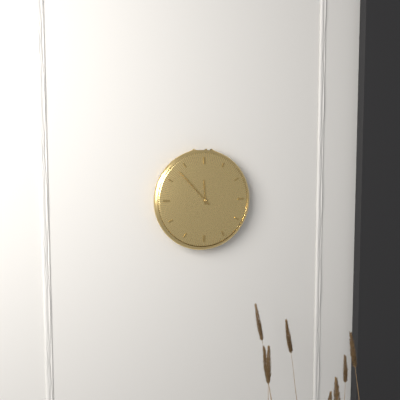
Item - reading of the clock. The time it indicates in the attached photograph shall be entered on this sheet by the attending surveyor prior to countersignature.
11:53
